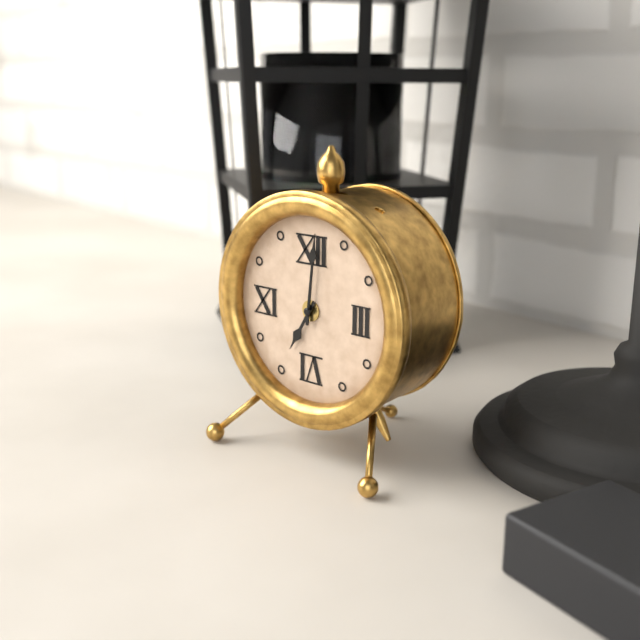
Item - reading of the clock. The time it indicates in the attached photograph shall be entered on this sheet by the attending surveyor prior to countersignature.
7:01
